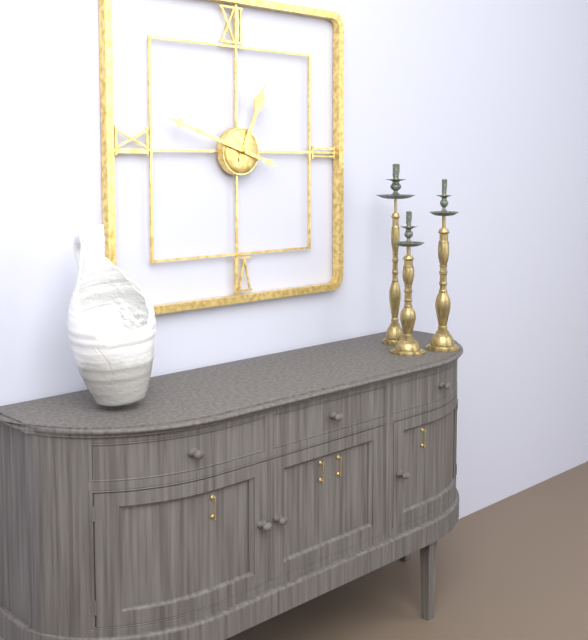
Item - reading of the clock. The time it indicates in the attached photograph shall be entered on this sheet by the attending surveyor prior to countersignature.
12:48
